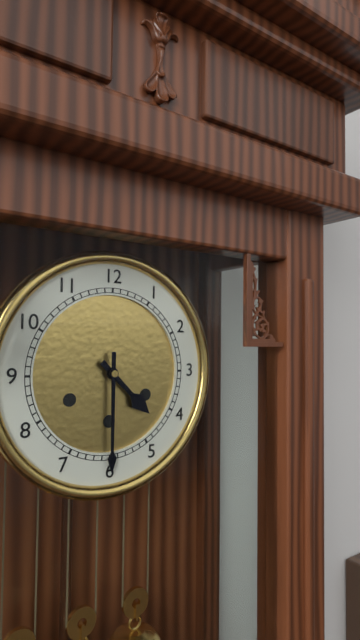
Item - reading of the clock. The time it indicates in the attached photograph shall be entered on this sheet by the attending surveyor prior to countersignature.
4:30
